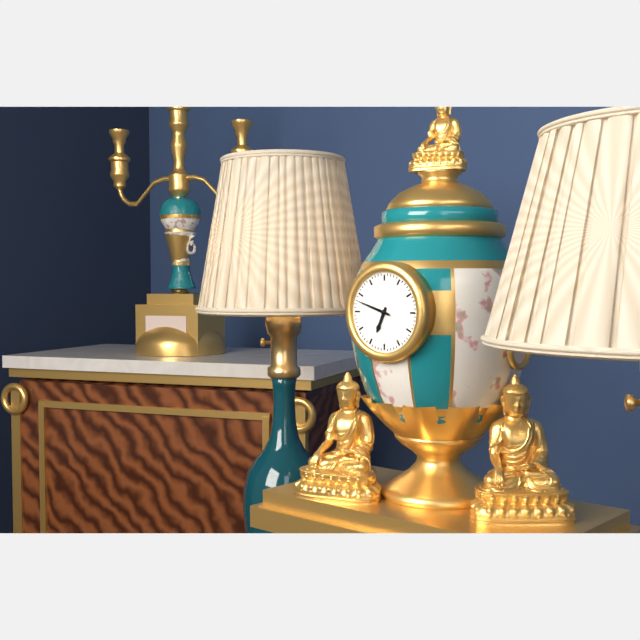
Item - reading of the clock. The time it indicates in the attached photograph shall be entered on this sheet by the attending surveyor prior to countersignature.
6:48
